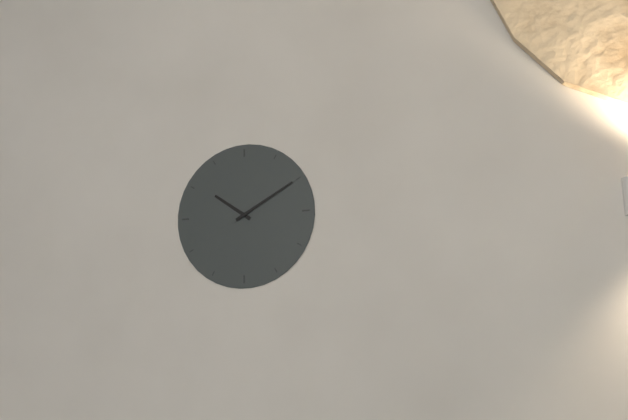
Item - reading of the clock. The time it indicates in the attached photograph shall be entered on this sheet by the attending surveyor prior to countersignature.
10:10
